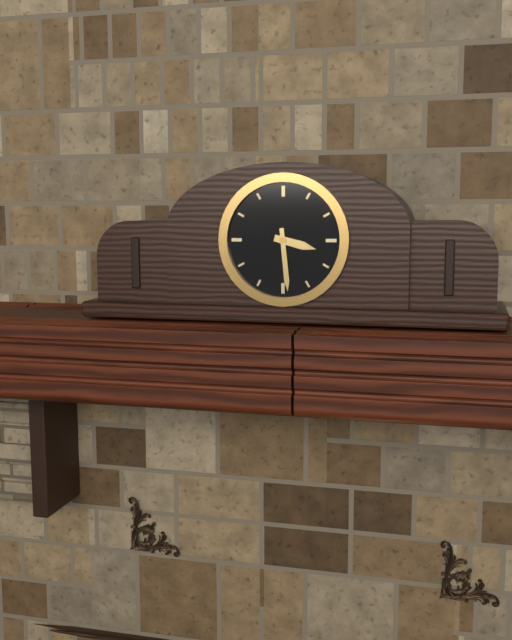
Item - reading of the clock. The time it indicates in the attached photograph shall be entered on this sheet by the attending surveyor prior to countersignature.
3:29
